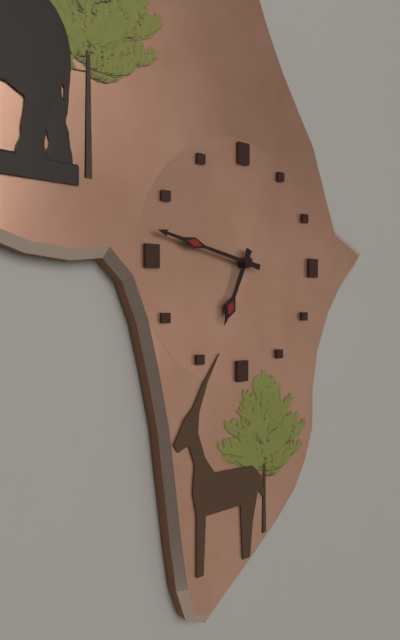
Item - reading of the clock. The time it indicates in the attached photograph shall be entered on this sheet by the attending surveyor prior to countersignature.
6:47
